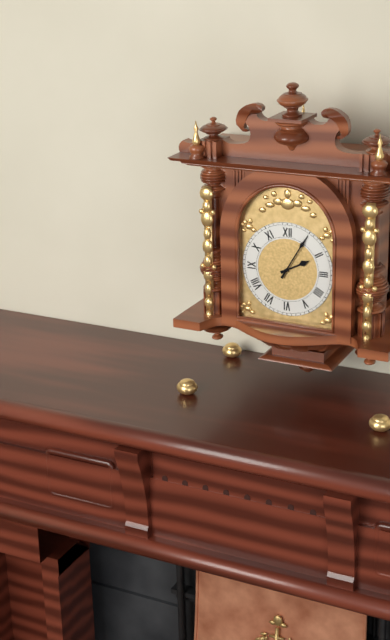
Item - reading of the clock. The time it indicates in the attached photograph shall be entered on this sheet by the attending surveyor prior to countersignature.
2:05
